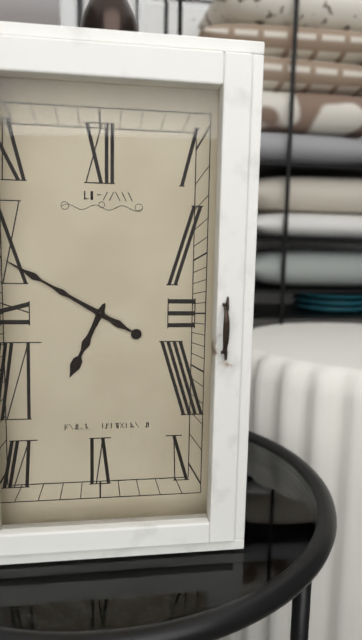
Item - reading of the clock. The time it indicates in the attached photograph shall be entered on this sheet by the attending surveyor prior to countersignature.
6:50
